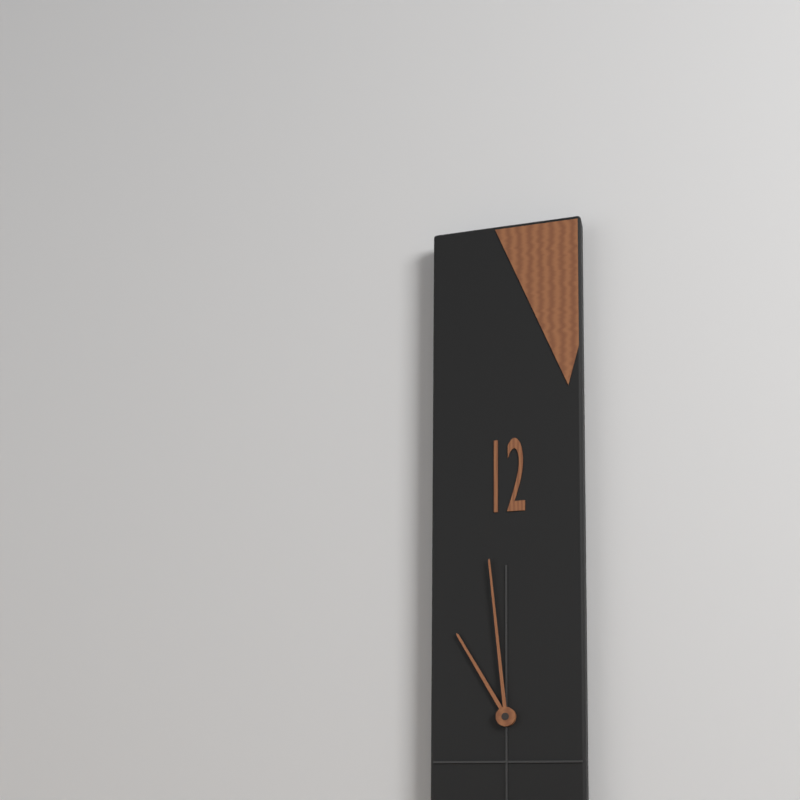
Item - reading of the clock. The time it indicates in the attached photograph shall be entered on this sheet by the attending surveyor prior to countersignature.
10:59
